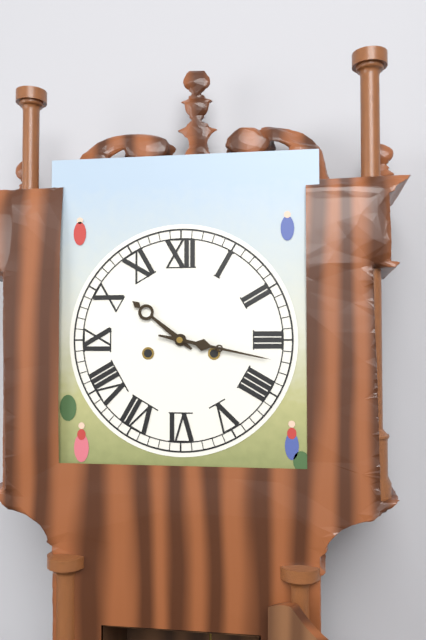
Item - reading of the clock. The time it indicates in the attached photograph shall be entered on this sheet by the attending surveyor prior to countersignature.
10:17
